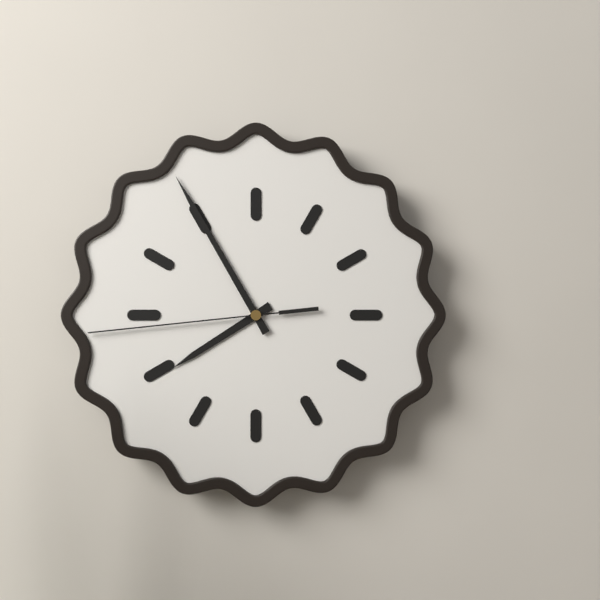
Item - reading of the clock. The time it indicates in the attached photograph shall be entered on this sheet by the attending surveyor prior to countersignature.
7:55:44
